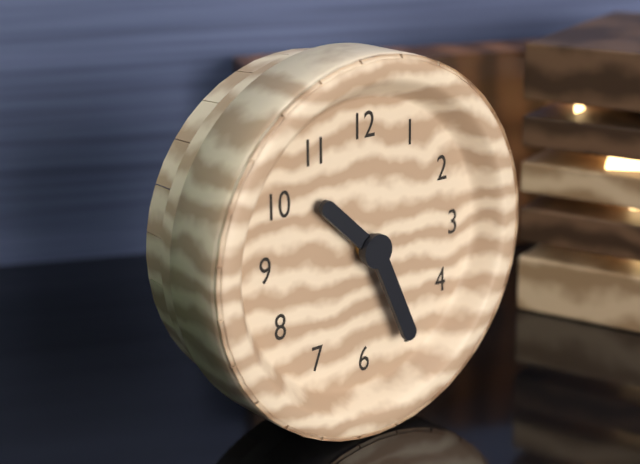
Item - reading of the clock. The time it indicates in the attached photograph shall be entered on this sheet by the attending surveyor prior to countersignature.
10:26
